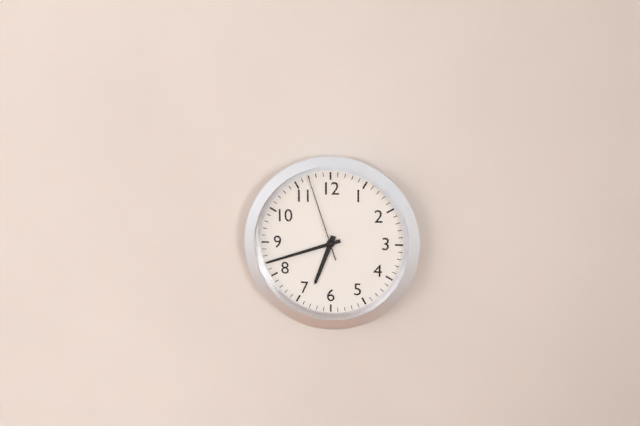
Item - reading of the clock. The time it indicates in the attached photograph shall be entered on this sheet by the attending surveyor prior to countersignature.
6:42:57
